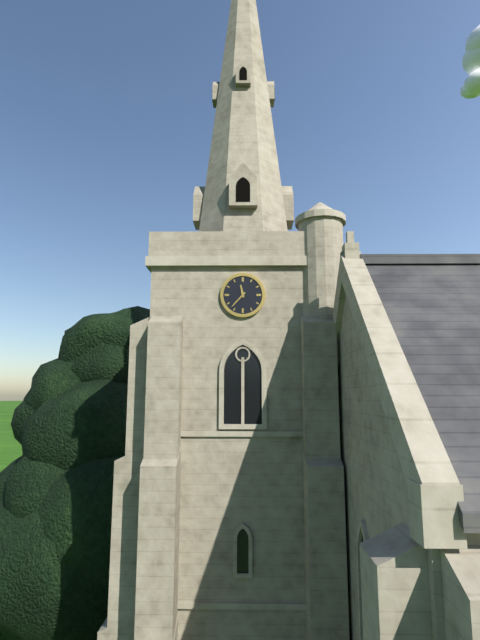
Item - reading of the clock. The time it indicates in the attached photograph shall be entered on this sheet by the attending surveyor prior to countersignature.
11:37
